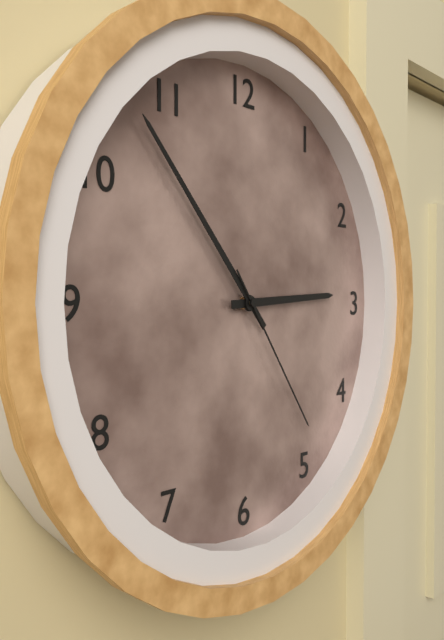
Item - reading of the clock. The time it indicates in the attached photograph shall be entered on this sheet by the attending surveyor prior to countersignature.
2:53:24
